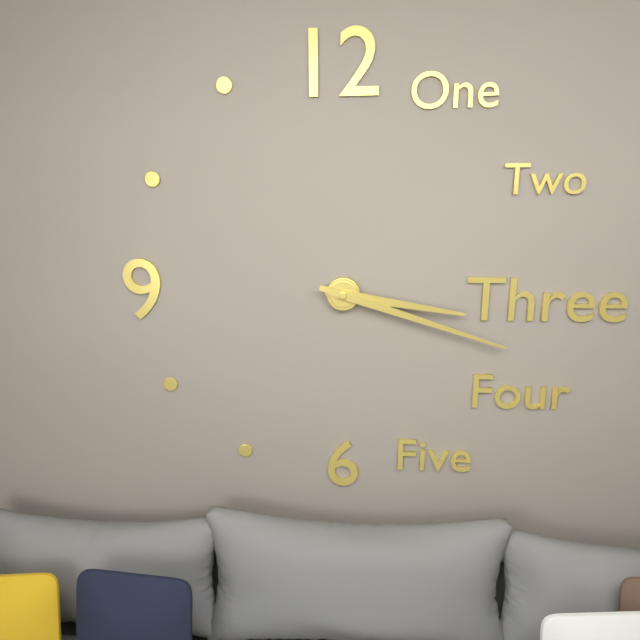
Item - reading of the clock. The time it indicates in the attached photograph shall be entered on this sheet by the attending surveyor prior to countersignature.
3:18
